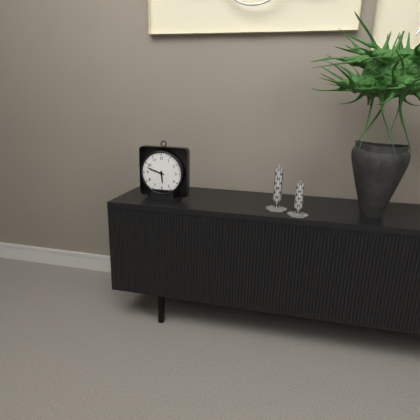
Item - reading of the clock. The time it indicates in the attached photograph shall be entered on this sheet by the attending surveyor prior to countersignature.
5:48
